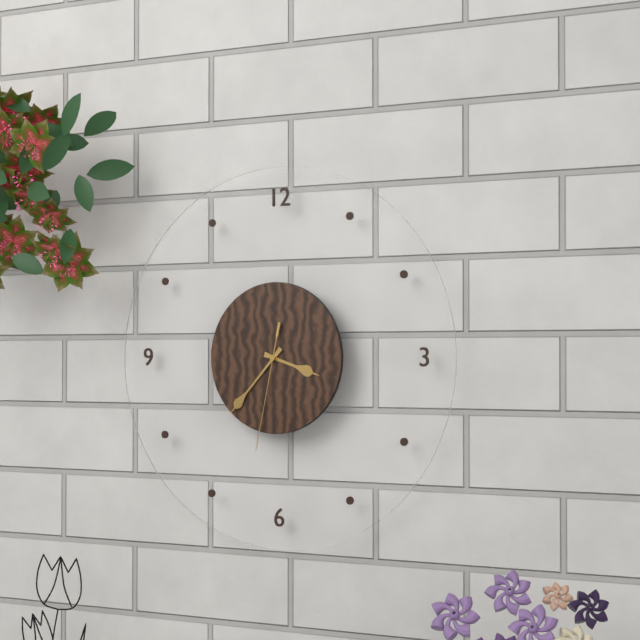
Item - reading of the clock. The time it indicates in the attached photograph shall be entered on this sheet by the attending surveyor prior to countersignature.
3:37:32
